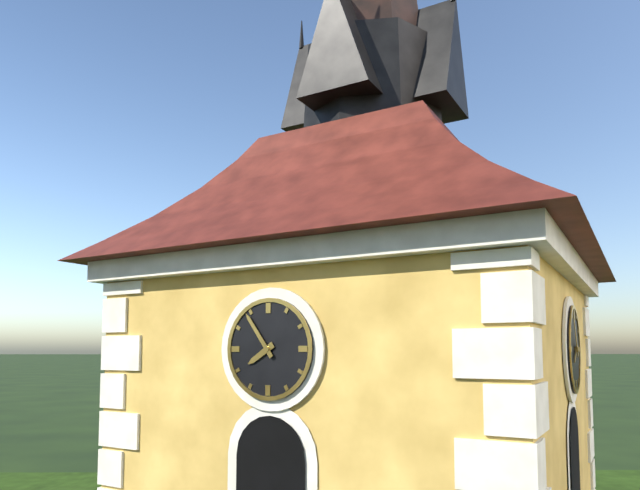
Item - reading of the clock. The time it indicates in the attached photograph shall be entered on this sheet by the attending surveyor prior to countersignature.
7:54
